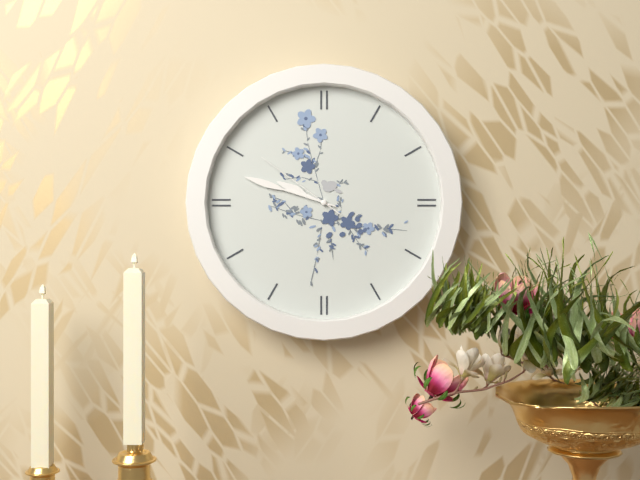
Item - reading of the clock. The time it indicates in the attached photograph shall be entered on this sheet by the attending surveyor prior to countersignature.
9:48:51
